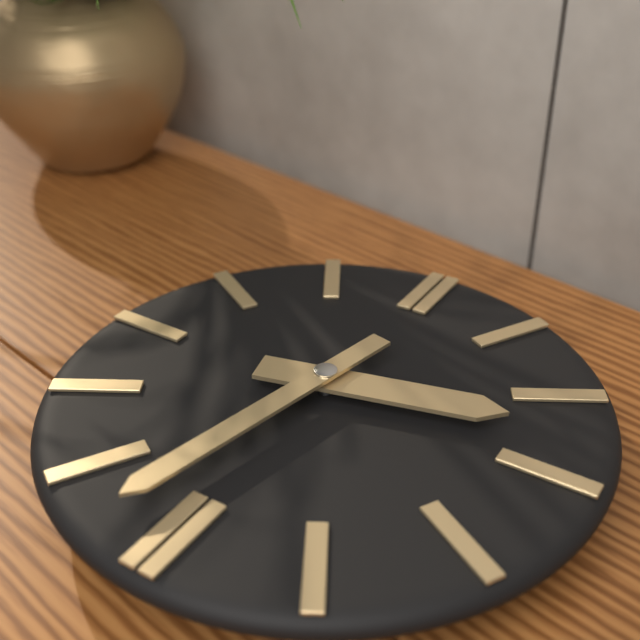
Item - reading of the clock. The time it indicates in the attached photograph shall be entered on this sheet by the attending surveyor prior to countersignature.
2:32
